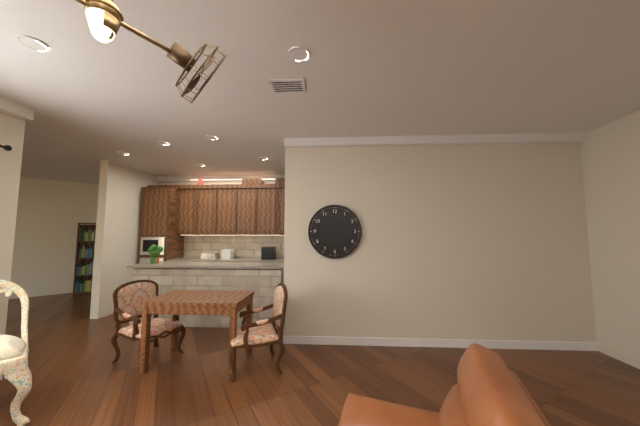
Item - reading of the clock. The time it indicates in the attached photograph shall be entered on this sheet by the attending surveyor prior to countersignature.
6:53
